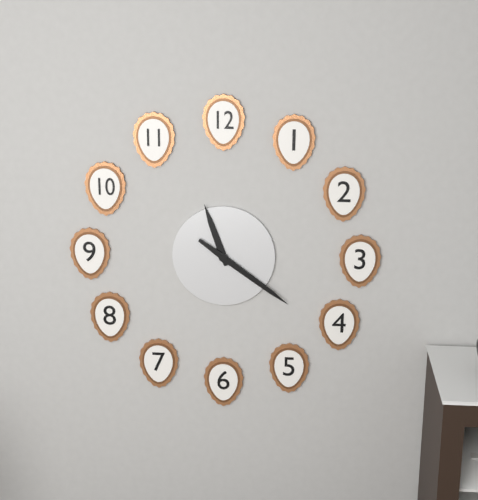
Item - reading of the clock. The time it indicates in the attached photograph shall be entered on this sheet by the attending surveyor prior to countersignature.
11:21
